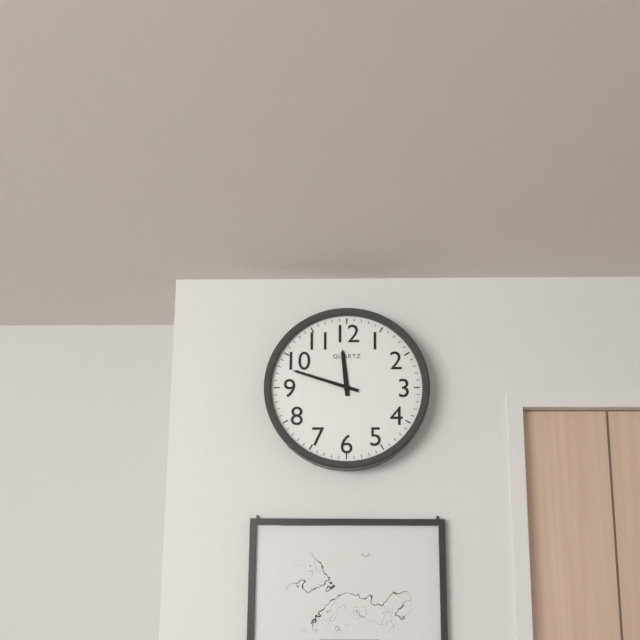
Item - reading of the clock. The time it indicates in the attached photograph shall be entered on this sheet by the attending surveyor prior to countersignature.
11:48
